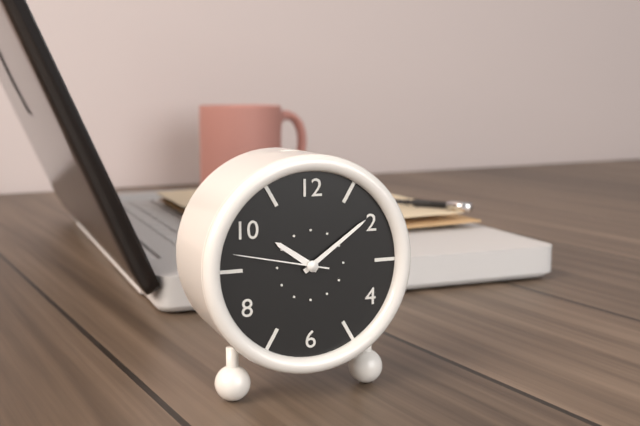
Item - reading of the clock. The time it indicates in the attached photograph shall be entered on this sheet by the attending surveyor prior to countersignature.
10:09:47
